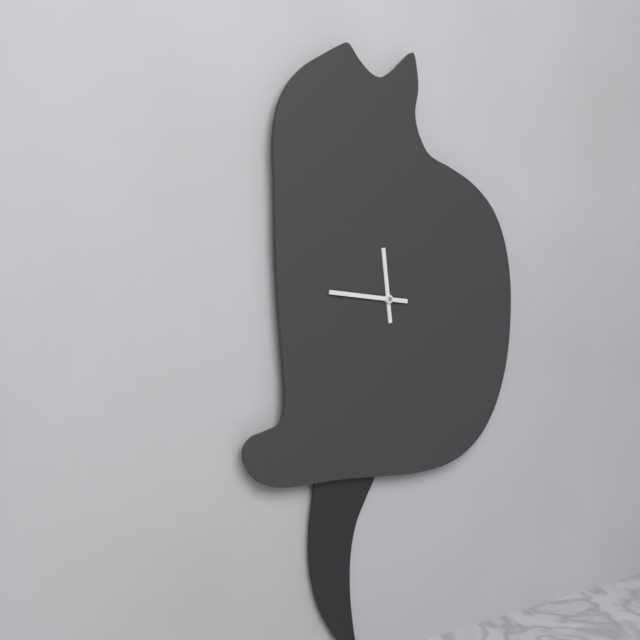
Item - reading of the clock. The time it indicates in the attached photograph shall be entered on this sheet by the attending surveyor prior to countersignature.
11:46
